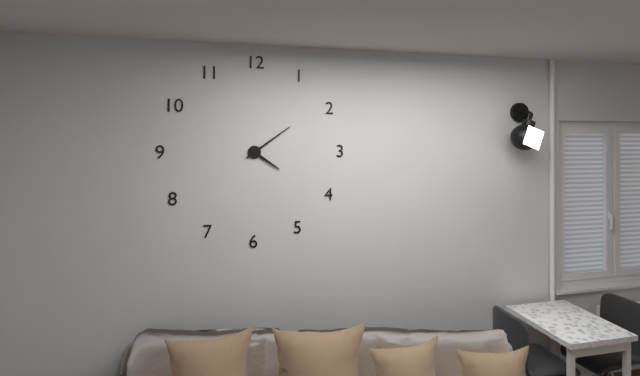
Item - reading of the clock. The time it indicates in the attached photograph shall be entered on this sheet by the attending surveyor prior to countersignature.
4:09
